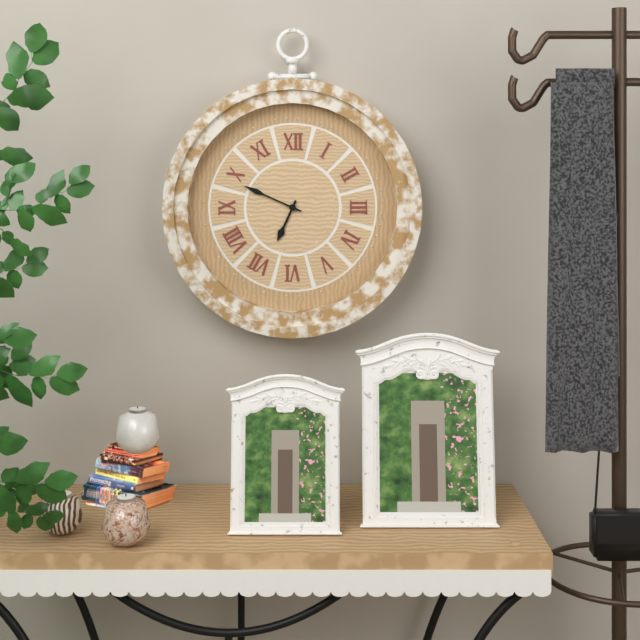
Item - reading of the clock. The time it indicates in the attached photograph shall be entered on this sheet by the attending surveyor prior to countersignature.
6:49
